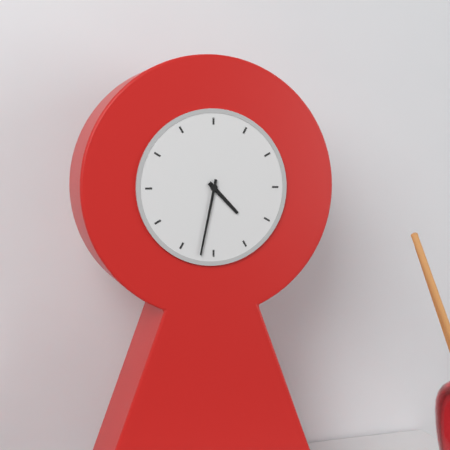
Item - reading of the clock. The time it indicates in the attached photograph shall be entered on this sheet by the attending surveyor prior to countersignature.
4:32
